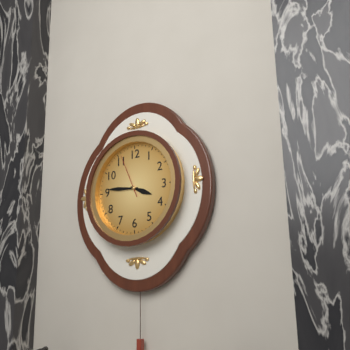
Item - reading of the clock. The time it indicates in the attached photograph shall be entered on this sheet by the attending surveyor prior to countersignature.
3:46
